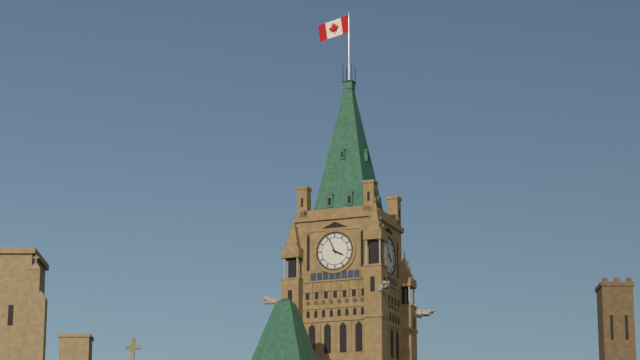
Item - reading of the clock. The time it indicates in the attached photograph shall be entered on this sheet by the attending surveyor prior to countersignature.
3:56
